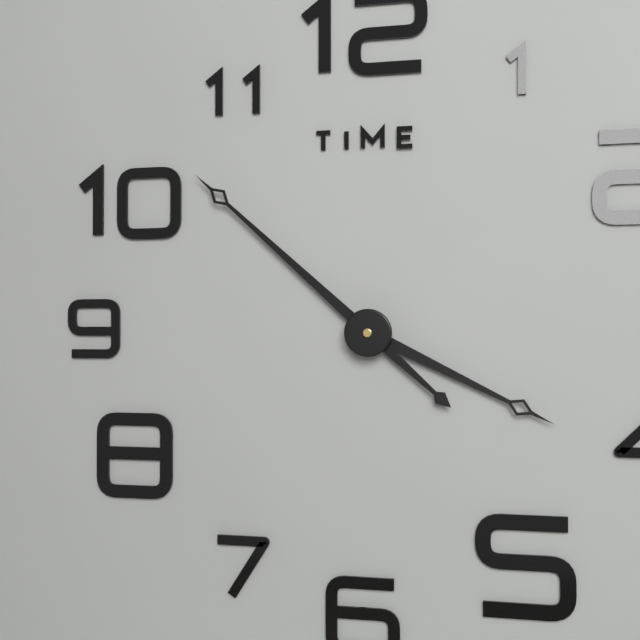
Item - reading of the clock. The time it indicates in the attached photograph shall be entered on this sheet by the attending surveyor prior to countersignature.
3:52
